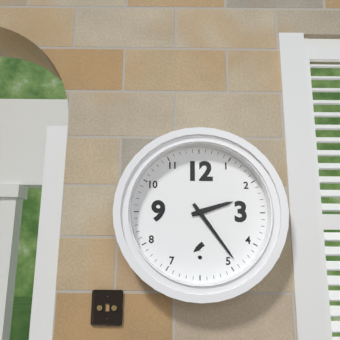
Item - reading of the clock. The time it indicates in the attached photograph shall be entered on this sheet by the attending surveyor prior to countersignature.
2:24
